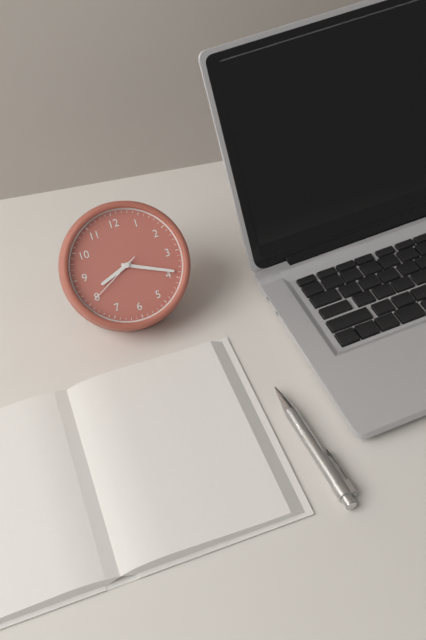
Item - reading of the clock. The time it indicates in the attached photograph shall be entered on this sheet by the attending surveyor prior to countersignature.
8:19:40
